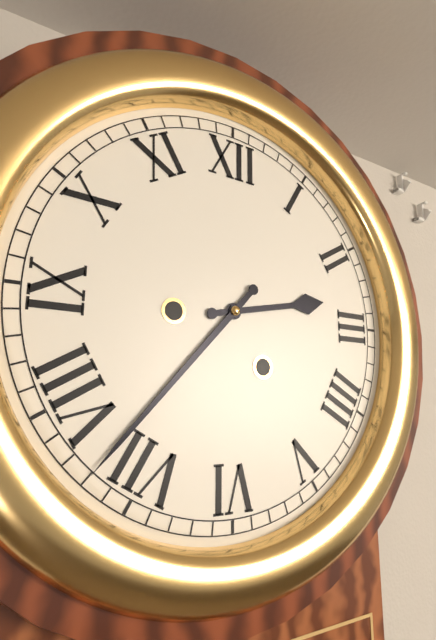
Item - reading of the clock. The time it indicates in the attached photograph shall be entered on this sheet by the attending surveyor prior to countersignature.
2:37
